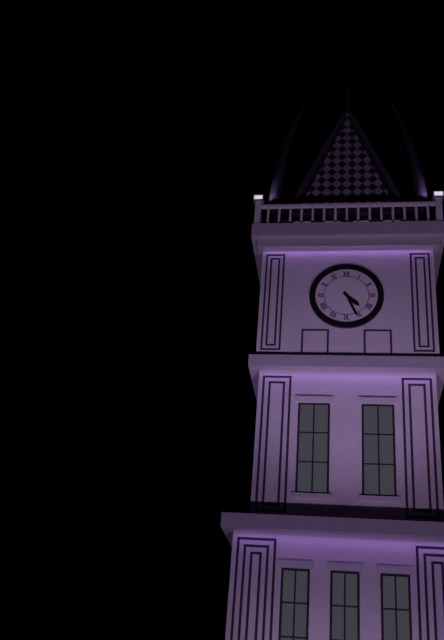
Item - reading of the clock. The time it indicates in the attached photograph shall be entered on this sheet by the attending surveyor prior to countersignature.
4:26
